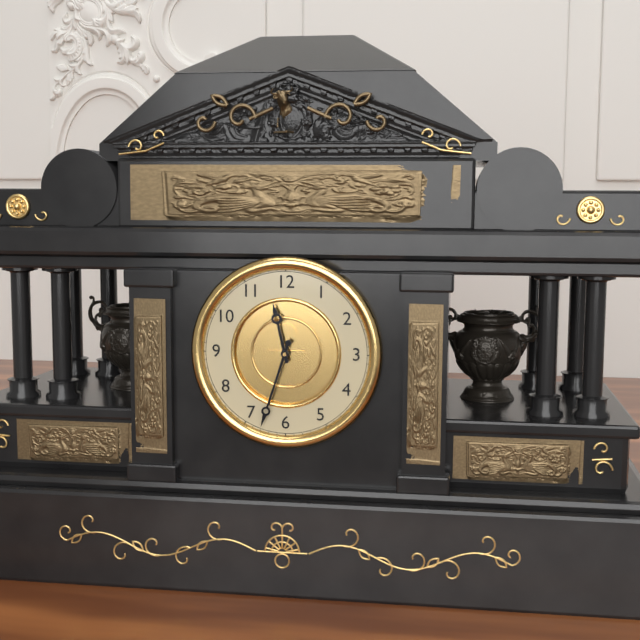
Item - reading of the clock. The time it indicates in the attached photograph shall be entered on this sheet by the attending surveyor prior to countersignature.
11:33
